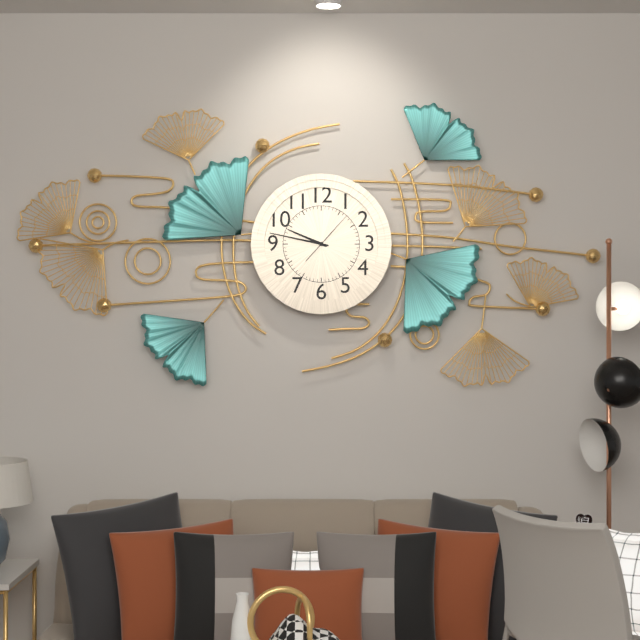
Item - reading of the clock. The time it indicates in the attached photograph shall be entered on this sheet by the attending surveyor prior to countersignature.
9:47
